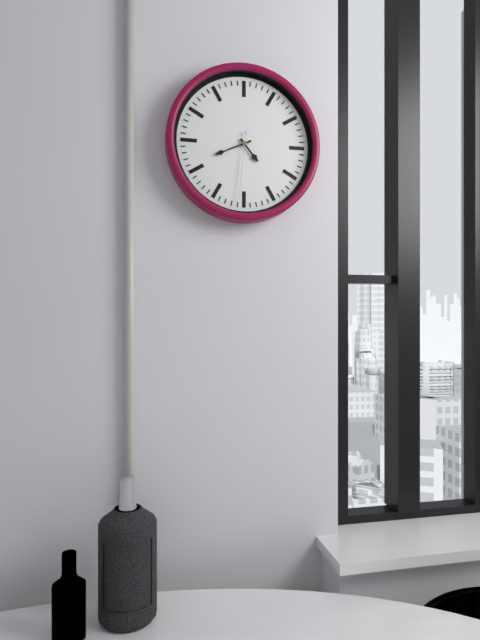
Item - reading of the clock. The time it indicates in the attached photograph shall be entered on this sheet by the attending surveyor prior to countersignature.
4:41:31
